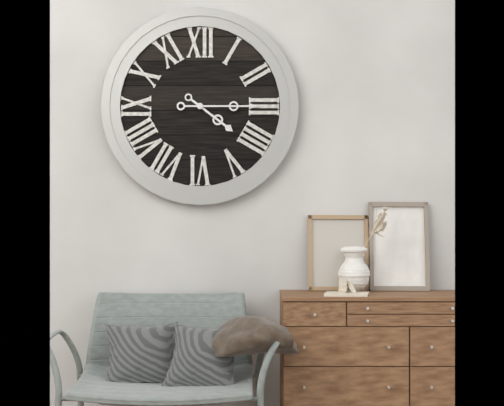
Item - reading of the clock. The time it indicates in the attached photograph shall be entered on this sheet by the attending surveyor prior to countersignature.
4:15
